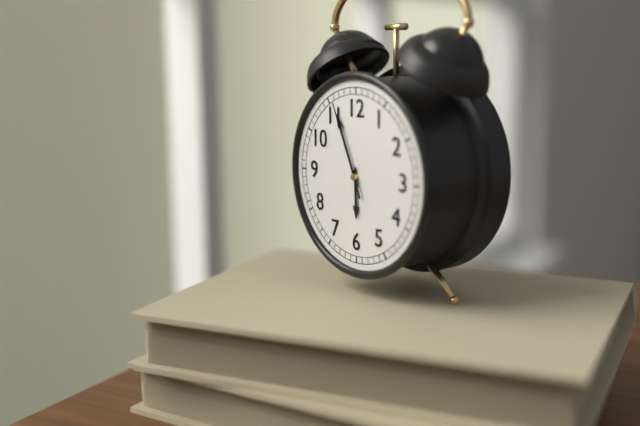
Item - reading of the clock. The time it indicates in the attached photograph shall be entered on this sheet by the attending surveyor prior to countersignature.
5:56:56
